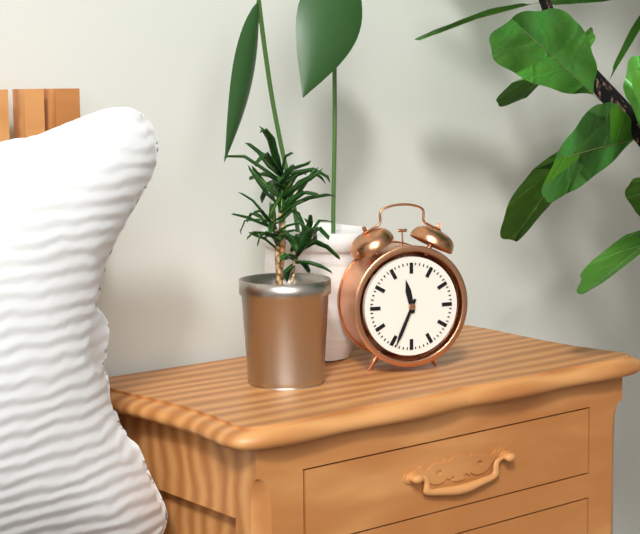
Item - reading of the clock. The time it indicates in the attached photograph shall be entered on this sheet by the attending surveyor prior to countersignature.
11:34
